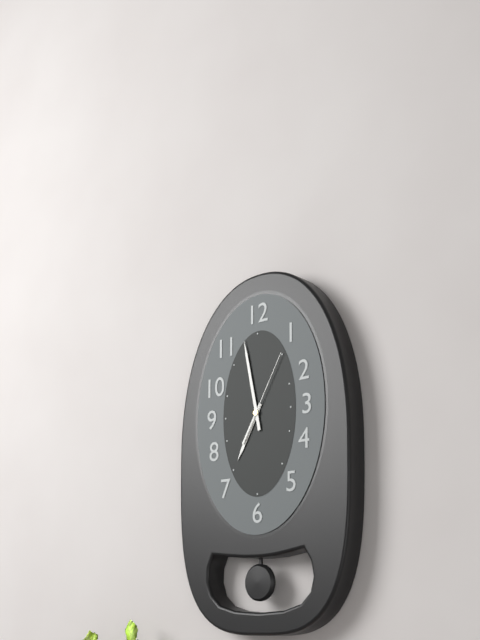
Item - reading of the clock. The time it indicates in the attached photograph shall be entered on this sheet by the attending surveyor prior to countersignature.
6:58:05
